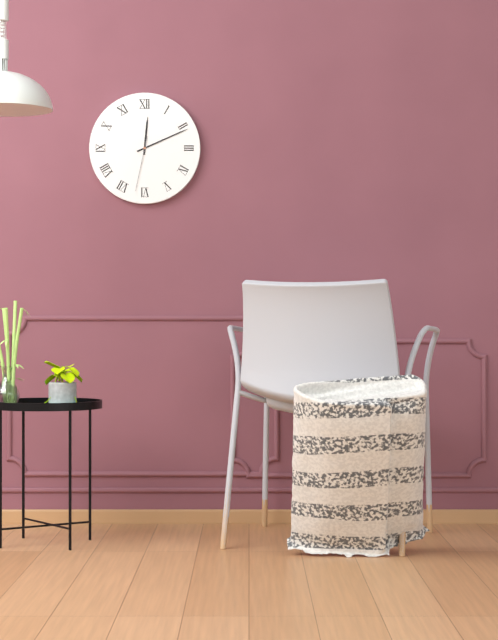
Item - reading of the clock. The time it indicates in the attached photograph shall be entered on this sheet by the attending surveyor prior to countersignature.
12:11:32
